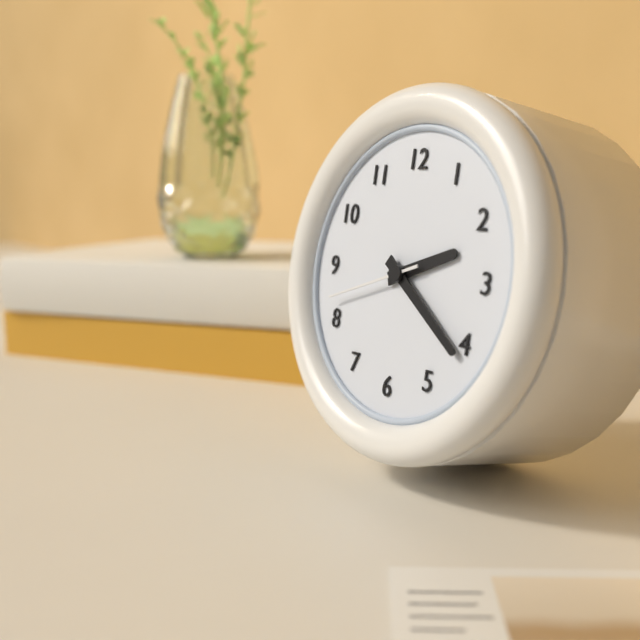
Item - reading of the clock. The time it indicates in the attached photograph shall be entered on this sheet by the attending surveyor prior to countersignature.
2:21:42
